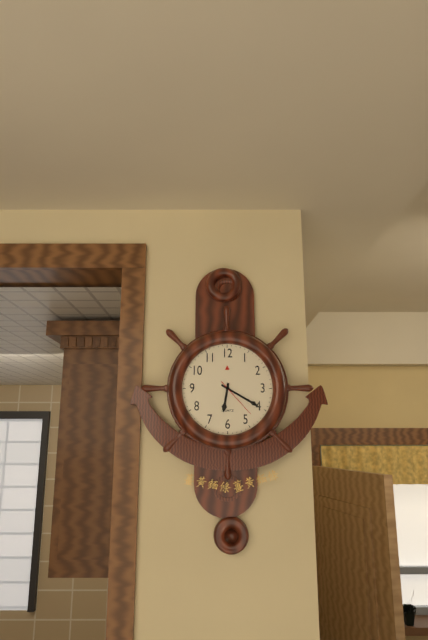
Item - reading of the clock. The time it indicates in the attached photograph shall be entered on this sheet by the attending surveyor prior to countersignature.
6:20
